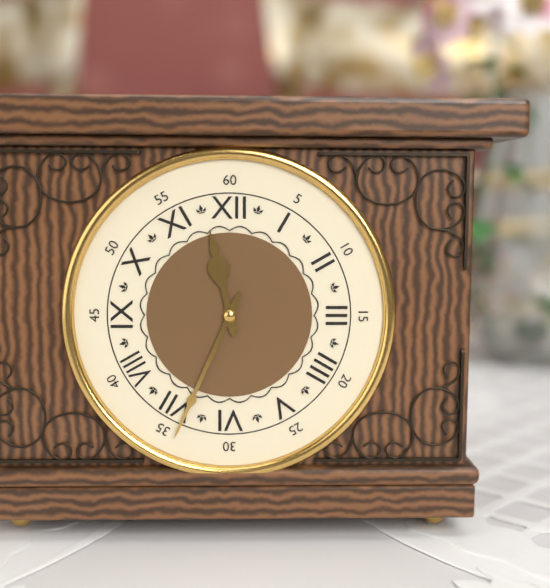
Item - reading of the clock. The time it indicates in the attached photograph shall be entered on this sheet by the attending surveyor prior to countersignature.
11:34
